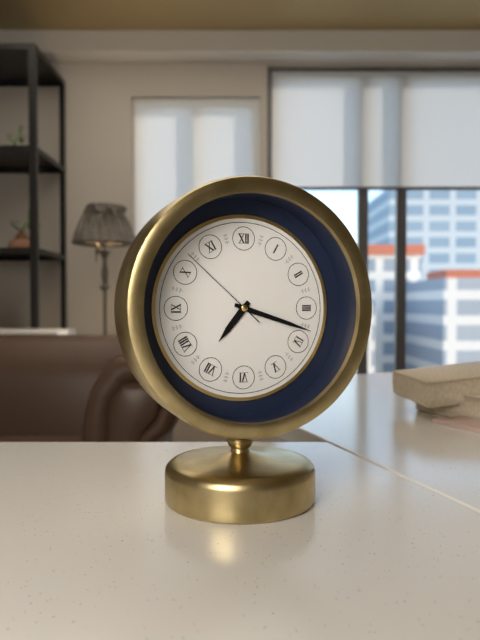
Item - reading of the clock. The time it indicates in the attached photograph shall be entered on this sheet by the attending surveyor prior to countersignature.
7:18:52
